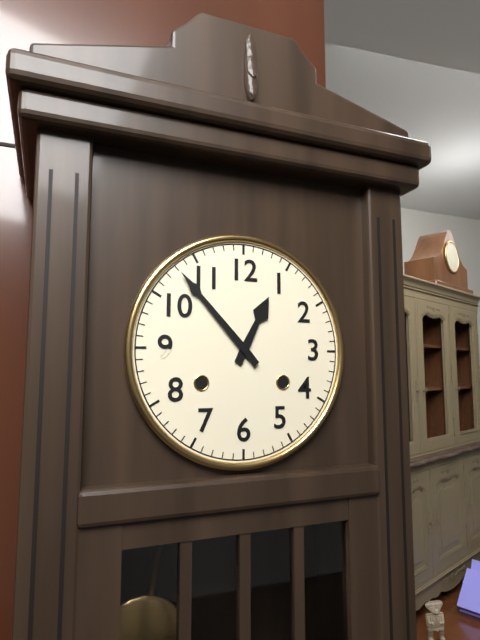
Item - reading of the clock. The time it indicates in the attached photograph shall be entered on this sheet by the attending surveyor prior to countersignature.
12:53
